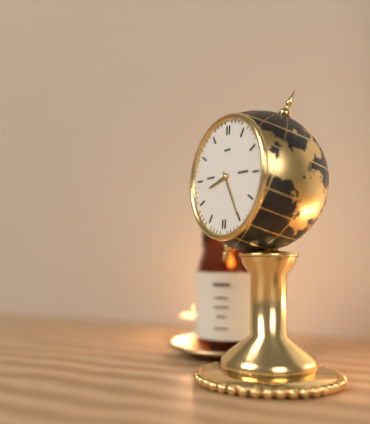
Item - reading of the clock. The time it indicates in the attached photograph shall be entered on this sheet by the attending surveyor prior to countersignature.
8:25
